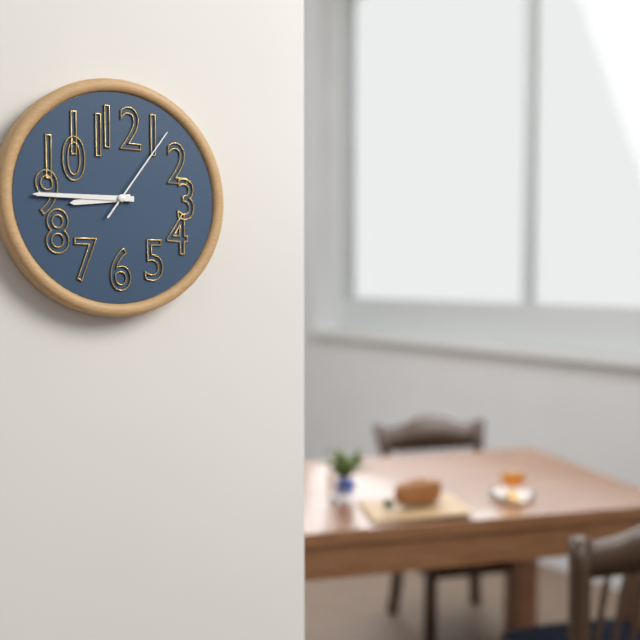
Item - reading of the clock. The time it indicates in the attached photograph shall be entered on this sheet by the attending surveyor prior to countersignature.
8:45:06
